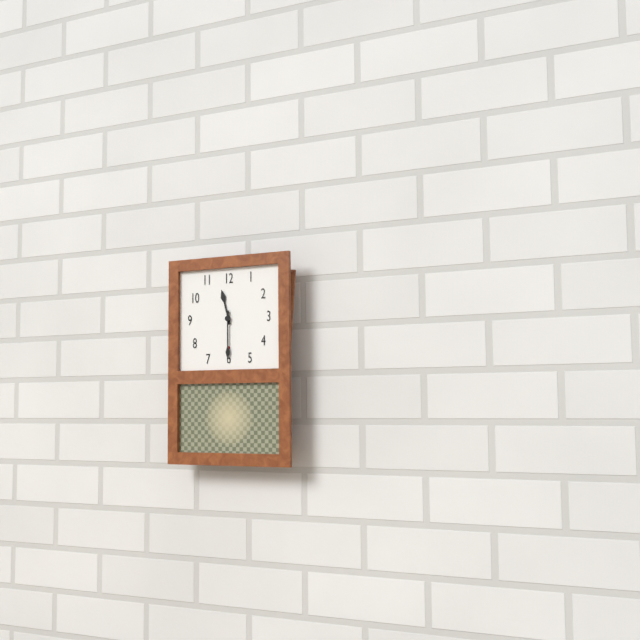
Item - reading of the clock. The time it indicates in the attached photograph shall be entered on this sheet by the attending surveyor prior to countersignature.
11:30
